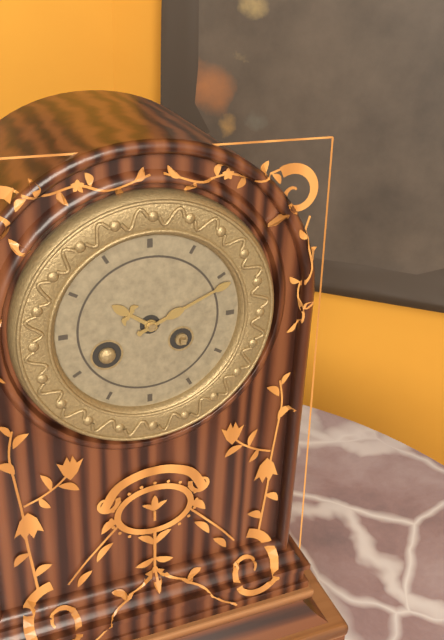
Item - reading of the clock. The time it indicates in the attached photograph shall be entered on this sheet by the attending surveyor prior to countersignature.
10:11
